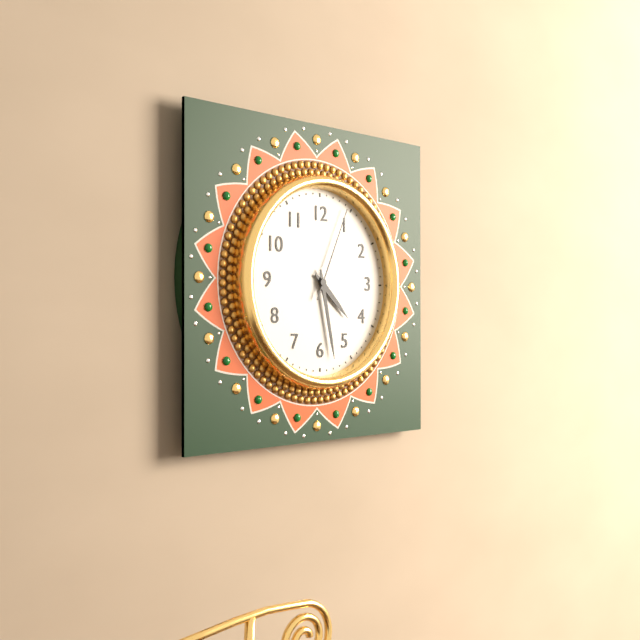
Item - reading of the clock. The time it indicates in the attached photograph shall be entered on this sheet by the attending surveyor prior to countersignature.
4:28:04
